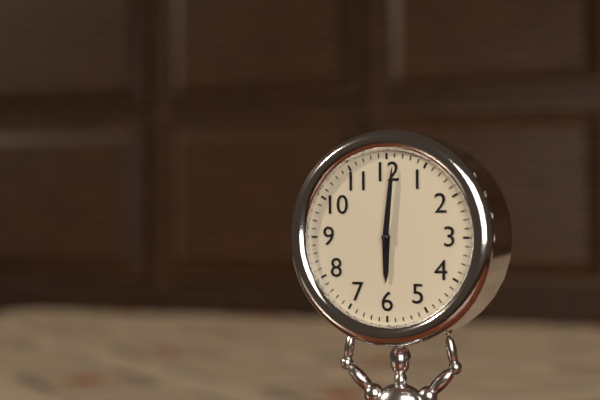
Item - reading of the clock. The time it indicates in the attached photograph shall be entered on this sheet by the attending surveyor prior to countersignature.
6:01
